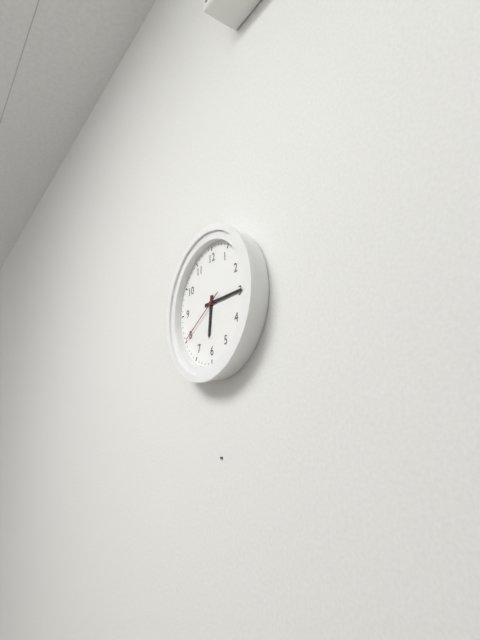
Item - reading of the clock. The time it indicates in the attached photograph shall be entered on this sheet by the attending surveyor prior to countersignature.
6:15:40
